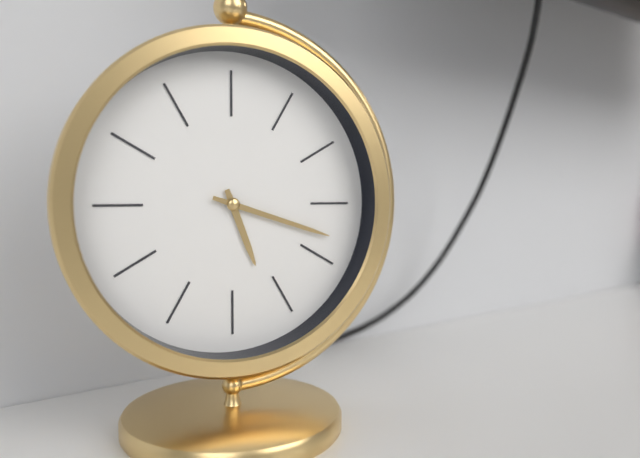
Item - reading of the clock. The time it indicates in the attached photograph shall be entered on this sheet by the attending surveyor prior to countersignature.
5:18
